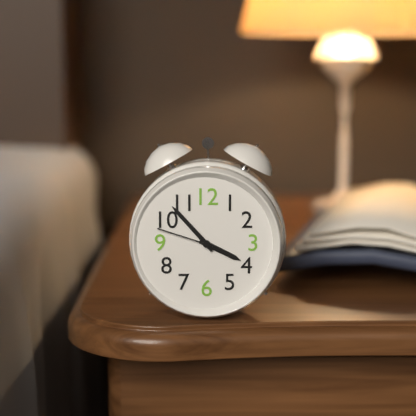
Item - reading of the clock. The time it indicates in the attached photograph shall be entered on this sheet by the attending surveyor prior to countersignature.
3:53:48
